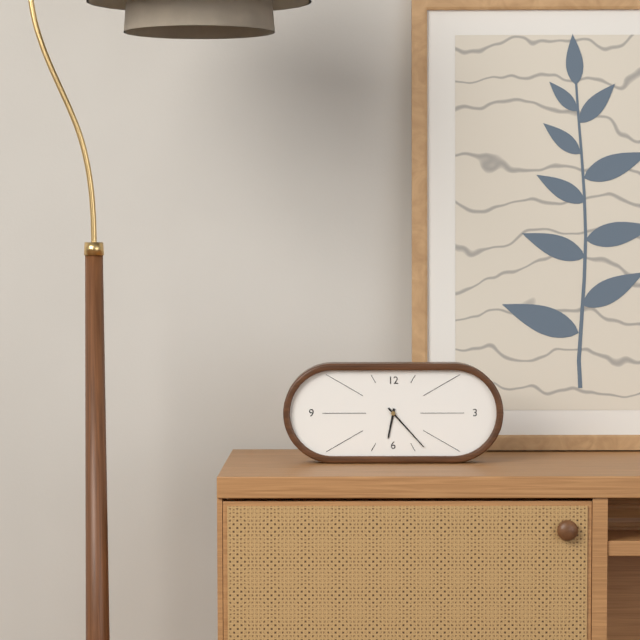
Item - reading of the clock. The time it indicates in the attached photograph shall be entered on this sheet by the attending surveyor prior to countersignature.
6:23
